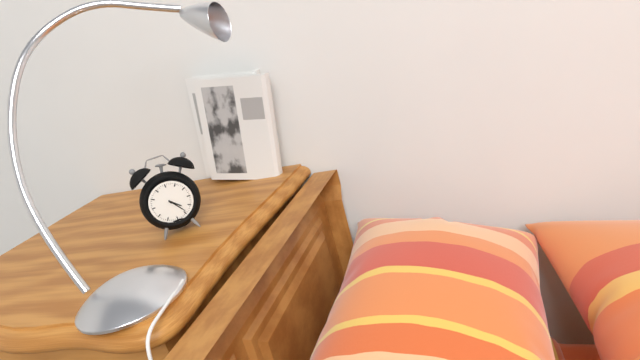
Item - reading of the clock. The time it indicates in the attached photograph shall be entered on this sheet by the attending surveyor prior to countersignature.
4:24
